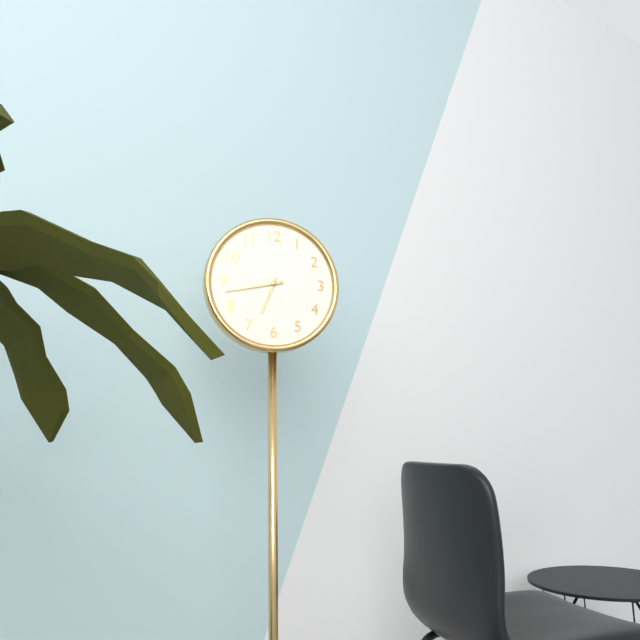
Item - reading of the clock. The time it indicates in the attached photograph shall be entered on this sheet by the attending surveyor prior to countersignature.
6:43
